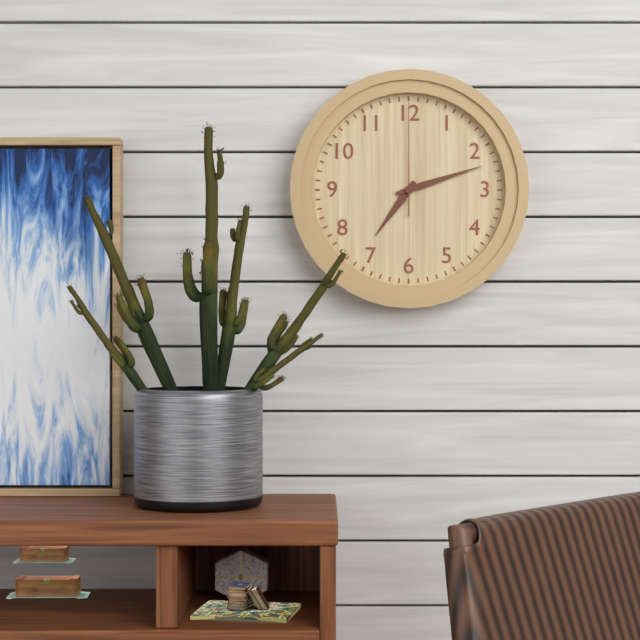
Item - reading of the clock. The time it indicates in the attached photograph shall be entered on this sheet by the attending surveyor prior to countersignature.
7:12:00
